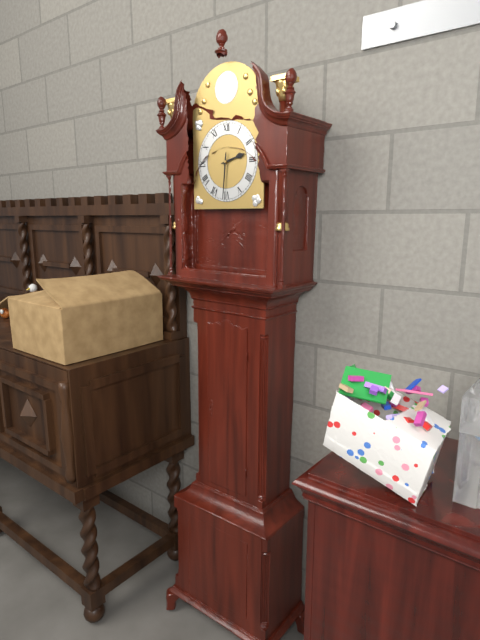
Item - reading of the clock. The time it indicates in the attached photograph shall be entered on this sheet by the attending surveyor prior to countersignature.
2:31
